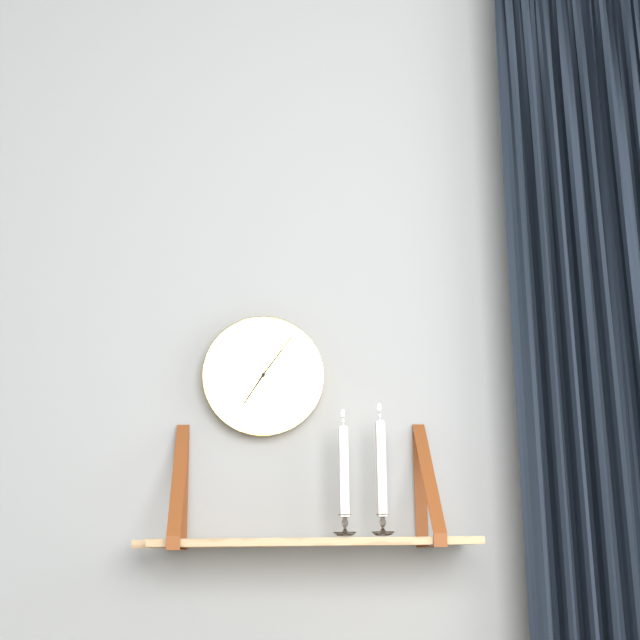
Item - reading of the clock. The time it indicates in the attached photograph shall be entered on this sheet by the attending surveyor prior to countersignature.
7:06
